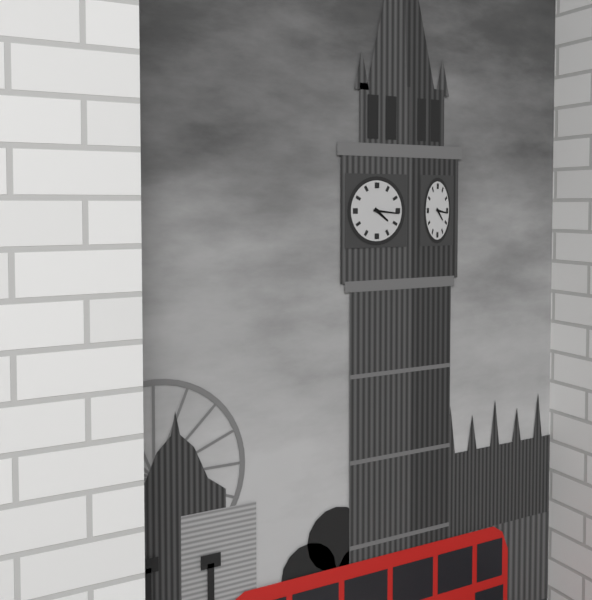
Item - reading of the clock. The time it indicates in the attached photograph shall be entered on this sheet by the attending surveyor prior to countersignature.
4:16
